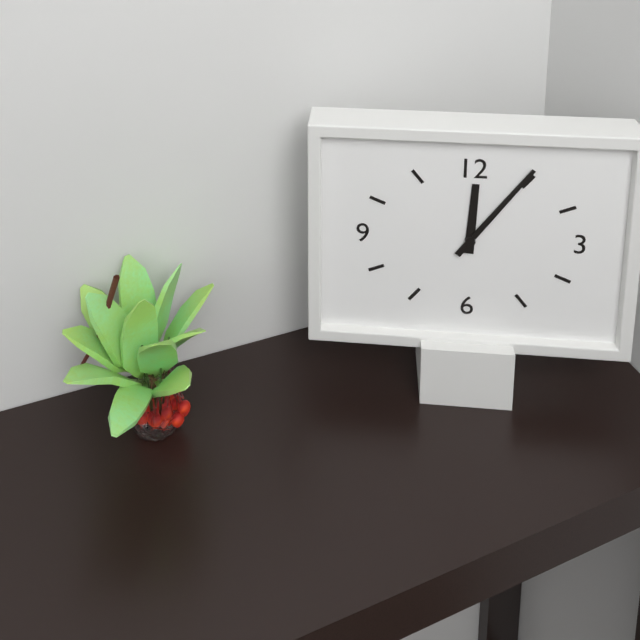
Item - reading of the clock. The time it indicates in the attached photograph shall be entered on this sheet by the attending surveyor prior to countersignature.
12:06
